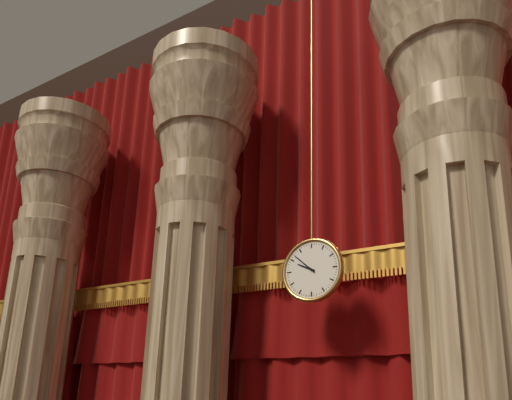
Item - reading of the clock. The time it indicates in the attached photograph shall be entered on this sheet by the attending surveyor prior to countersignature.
9:52
